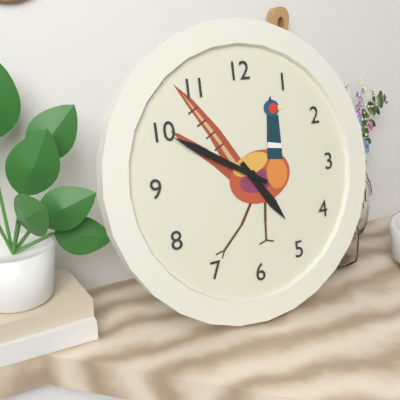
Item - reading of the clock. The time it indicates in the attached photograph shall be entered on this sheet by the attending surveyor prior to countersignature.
4:50
